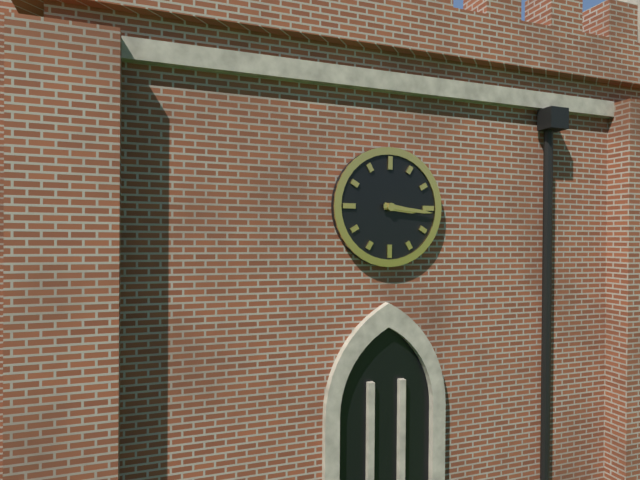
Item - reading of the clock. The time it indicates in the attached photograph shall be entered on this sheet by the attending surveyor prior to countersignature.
3:16
